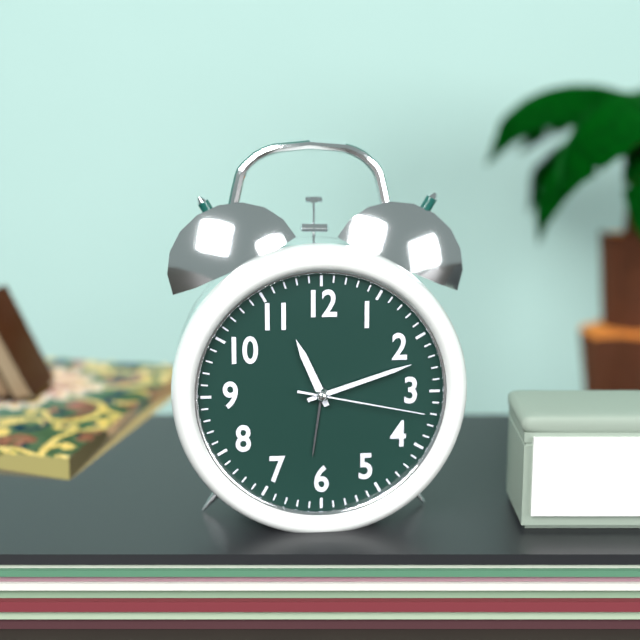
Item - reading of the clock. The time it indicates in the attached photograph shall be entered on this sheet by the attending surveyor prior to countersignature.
11:12:17
